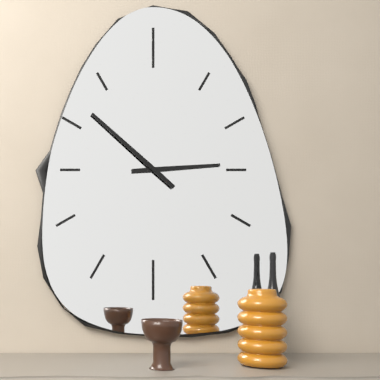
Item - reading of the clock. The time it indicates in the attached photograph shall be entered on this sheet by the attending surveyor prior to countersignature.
2:52
